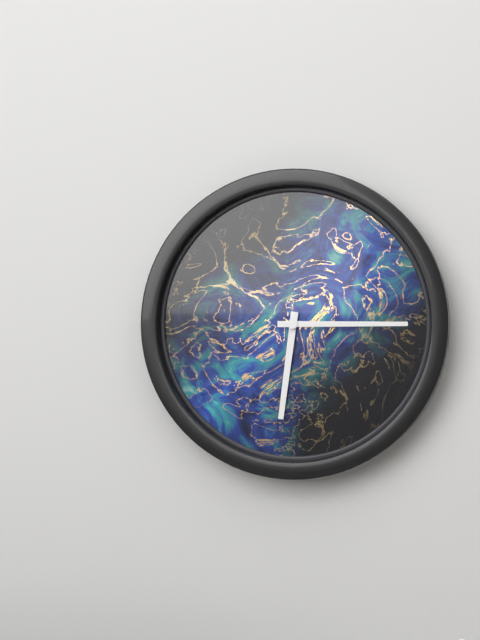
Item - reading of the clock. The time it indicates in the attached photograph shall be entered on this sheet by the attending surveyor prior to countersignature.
6:15
